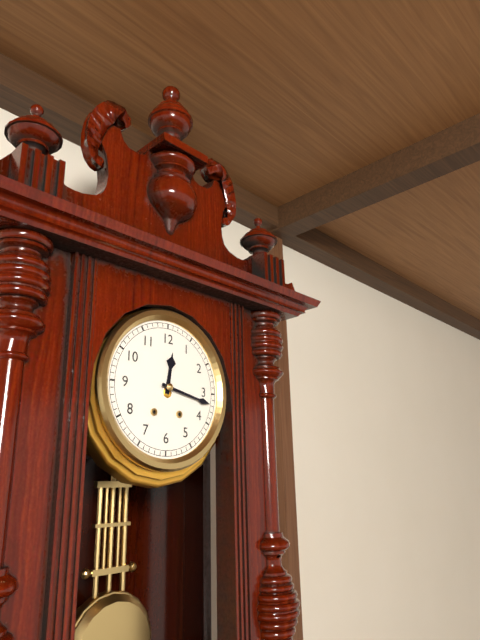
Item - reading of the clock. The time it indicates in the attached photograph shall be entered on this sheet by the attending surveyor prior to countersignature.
12:17
